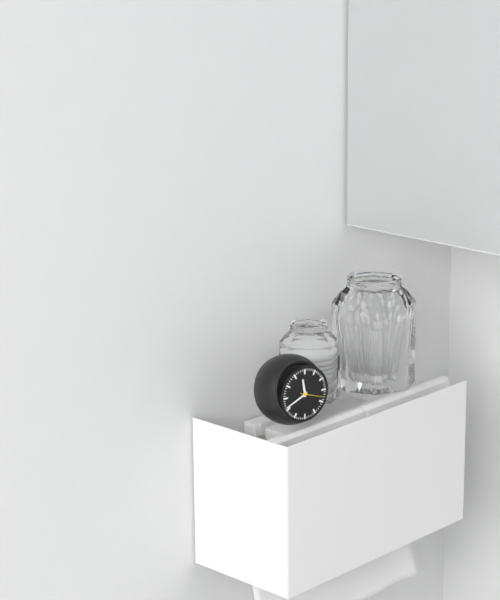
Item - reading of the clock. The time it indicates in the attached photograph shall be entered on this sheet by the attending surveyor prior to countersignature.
11:41
